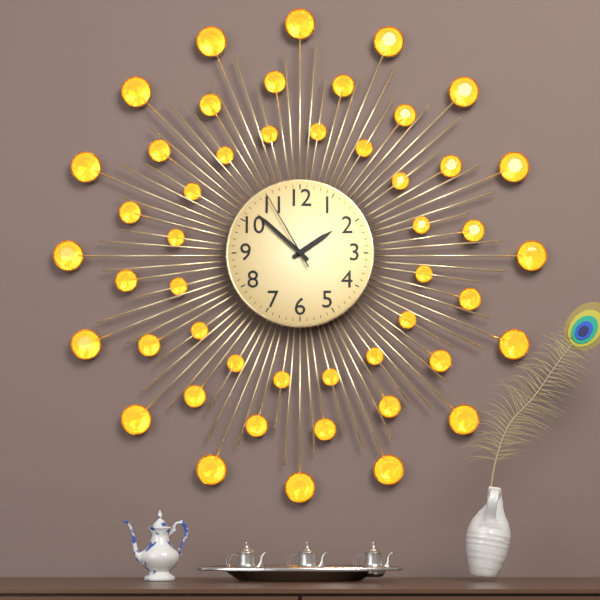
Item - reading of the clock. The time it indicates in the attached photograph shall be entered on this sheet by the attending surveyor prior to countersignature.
1:52:55
